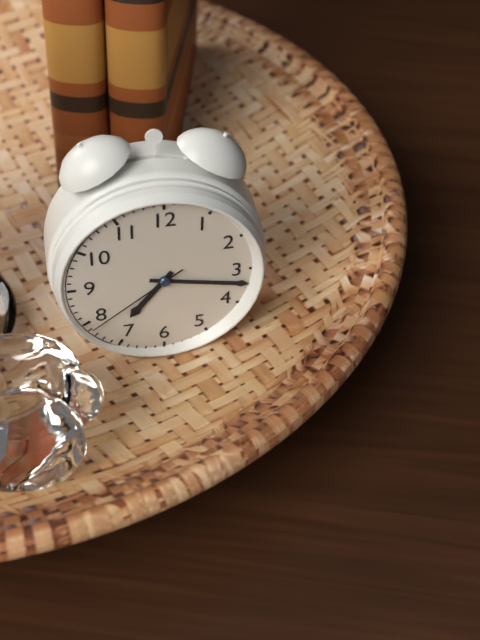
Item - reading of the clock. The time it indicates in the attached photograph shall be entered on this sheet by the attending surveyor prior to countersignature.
7:17:39
